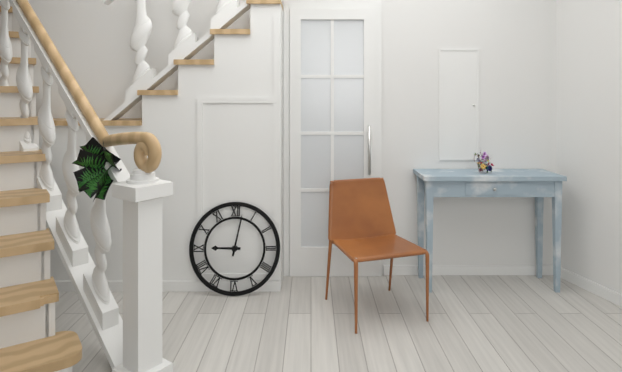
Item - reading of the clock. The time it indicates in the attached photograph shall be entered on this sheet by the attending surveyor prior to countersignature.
9:02
